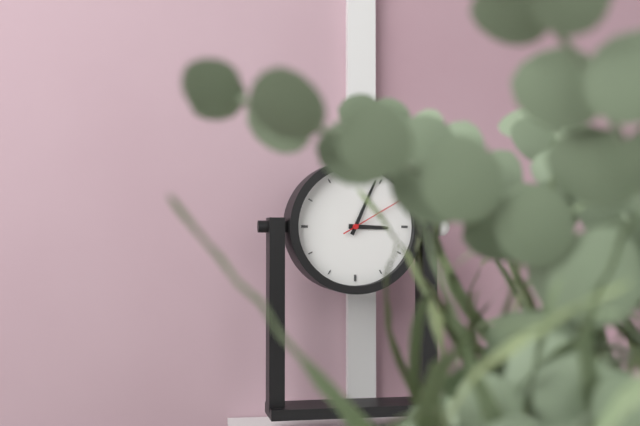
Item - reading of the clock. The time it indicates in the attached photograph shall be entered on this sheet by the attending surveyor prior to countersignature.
3:04:10
